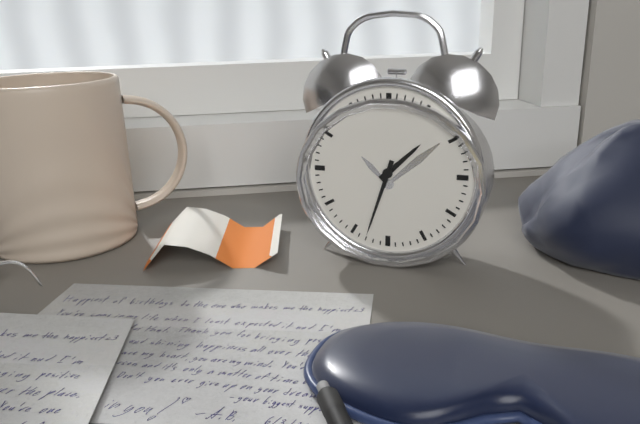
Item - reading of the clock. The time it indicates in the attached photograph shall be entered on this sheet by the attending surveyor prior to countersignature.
1:33
